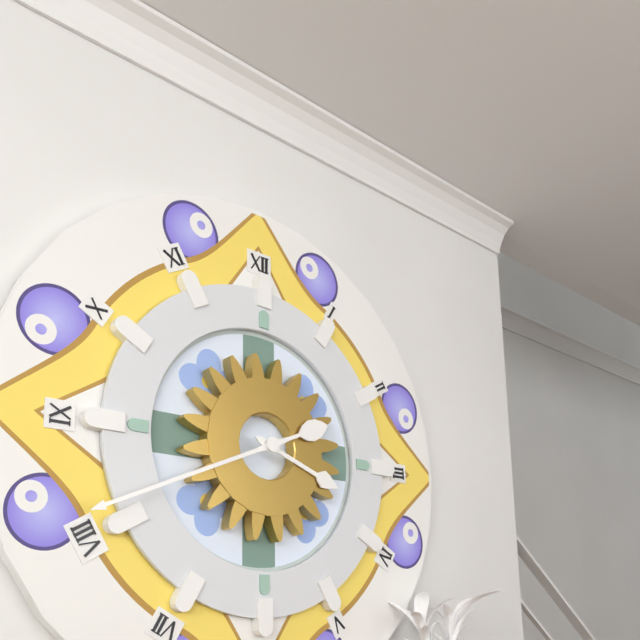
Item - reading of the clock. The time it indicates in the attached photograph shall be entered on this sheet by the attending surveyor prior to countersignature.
3:41
